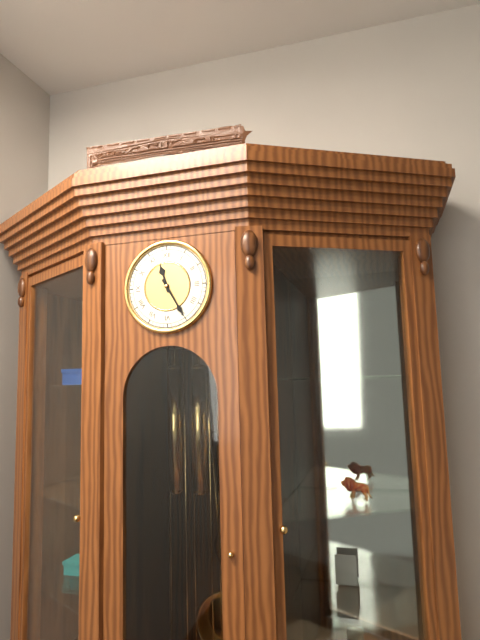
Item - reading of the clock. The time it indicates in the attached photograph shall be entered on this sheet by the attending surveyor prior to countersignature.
11:25
